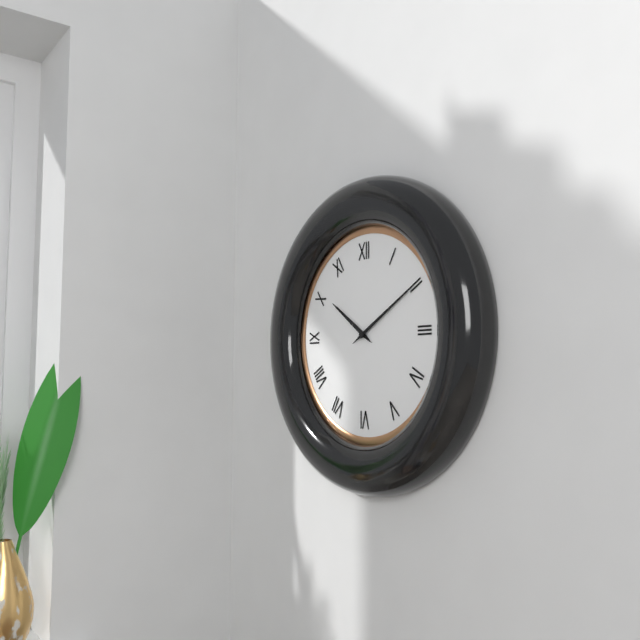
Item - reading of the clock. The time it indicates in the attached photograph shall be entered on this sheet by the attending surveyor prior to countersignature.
10:10
